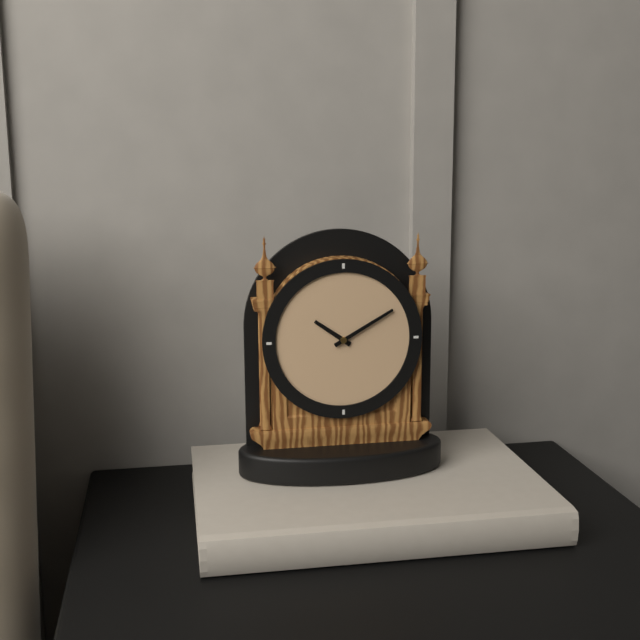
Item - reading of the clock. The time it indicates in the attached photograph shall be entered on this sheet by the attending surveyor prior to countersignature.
10:10
